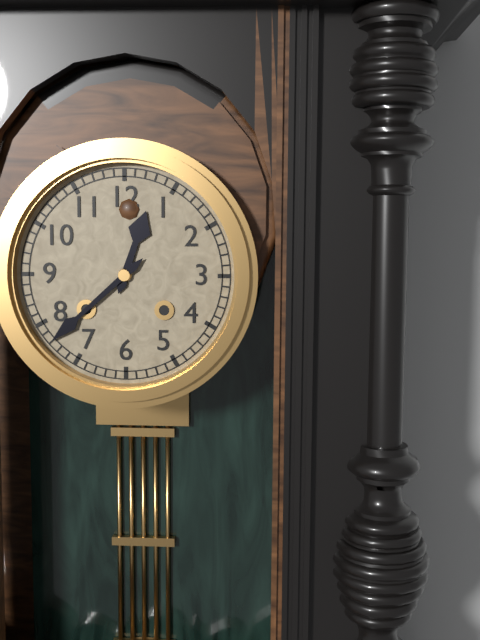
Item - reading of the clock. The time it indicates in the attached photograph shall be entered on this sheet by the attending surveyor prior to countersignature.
12:38
